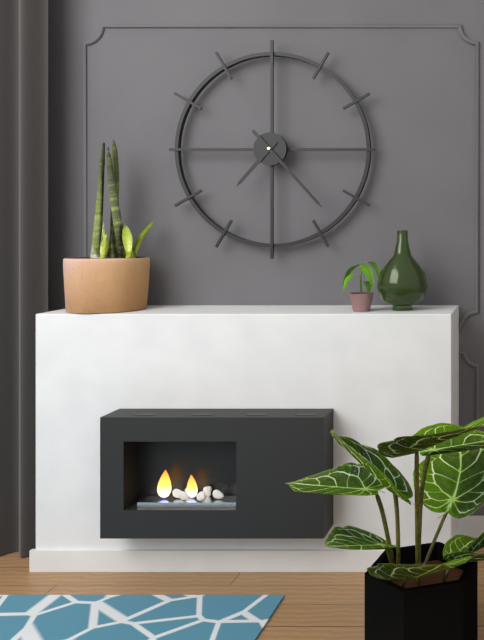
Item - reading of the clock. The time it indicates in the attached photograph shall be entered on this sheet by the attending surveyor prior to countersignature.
7:23
